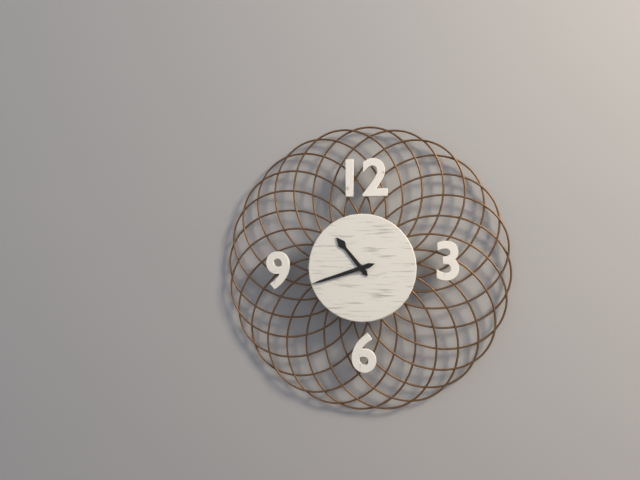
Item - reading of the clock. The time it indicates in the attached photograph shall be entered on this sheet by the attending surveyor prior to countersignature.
10:42
